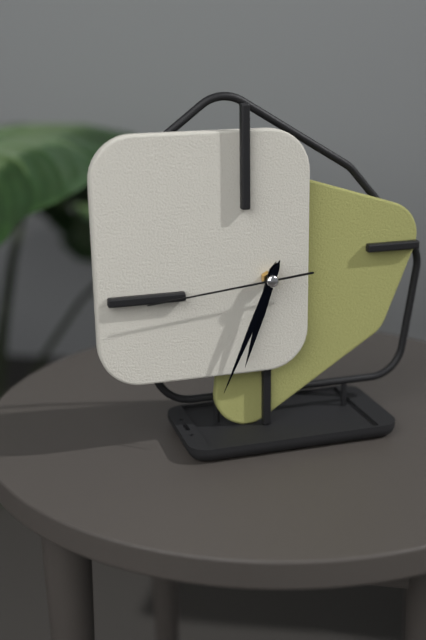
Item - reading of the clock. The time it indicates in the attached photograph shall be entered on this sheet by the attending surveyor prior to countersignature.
6:34:44
